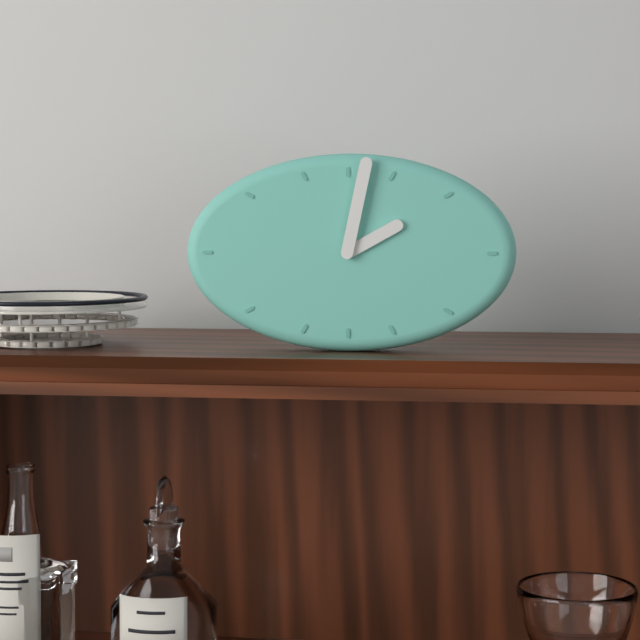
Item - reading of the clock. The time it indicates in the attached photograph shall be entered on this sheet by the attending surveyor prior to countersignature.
2:02
